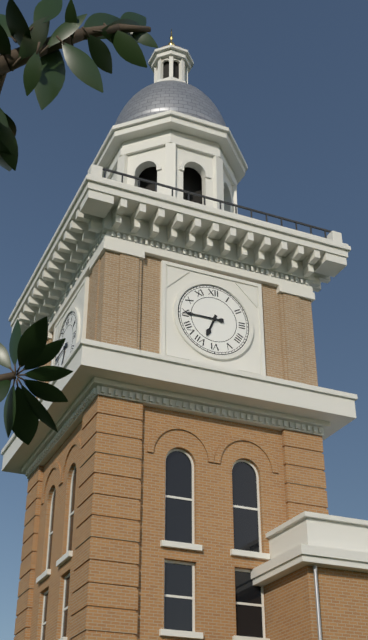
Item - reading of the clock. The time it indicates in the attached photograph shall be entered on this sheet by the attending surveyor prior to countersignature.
6:45
